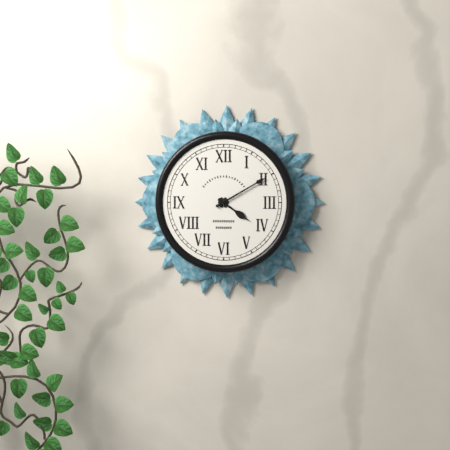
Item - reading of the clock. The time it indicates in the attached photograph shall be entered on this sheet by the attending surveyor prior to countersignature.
4:10
